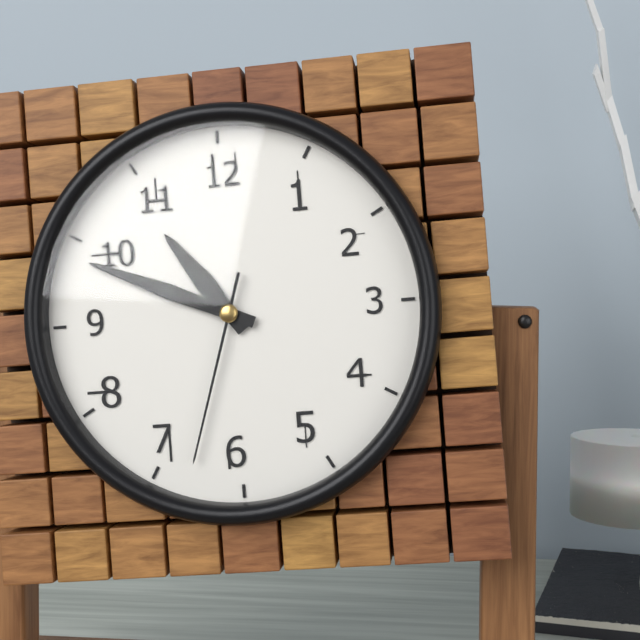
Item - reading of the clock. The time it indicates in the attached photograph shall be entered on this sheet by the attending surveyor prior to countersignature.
10:49:33
